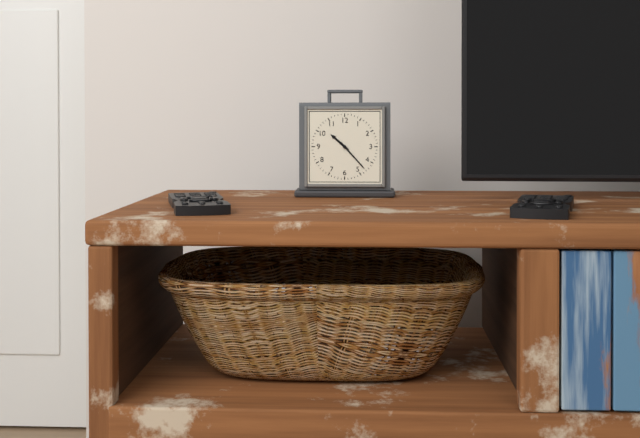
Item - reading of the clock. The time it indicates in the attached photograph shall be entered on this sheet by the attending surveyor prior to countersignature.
10:23
